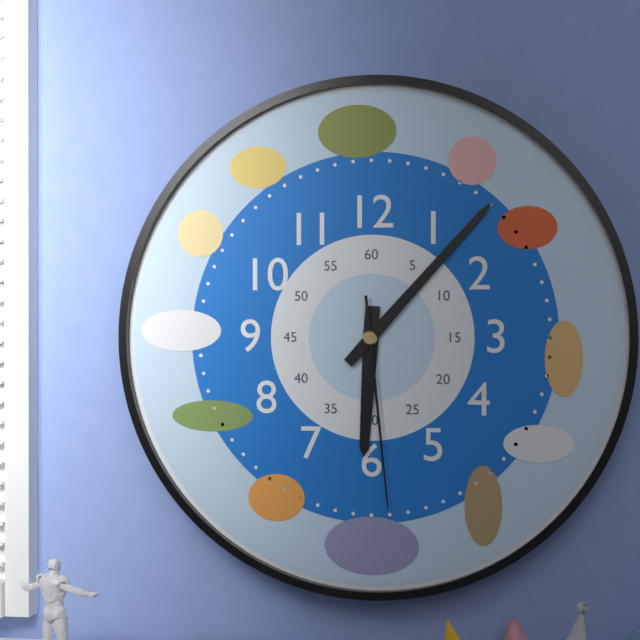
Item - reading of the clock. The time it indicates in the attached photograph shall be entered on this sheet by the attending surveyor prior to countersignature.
6:07:29
